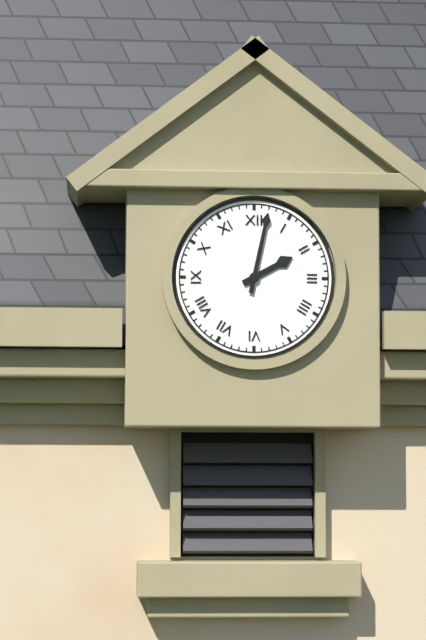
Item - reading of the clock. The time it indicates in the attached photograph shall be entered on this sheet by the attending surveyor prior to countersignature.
2:02
